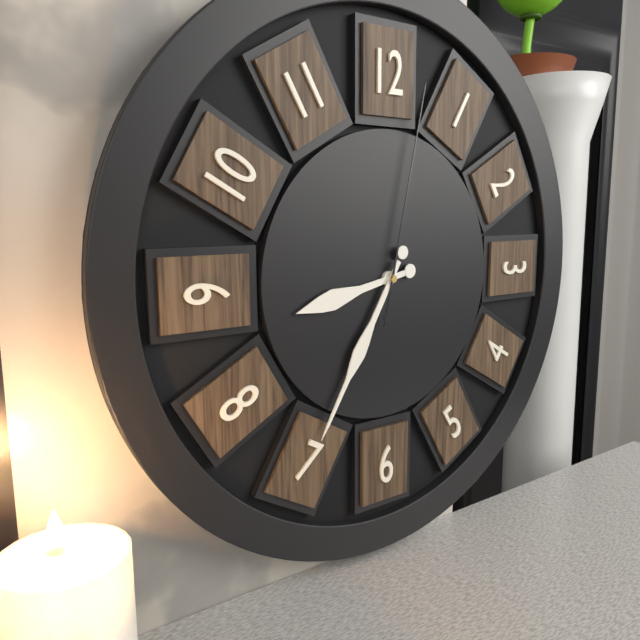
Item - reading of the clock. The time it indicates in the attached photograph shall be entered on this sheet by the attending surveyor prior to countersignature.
8:35:02
